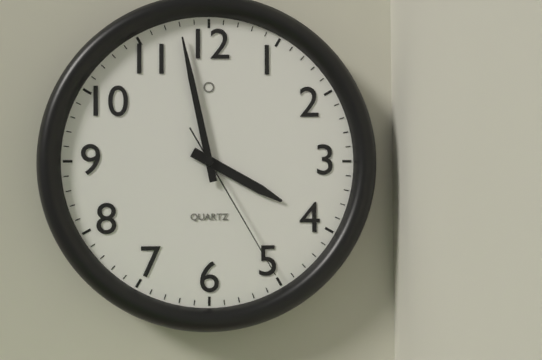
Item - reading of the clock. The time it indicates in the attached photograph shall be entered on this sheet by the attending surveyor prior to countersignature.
3:58:25
